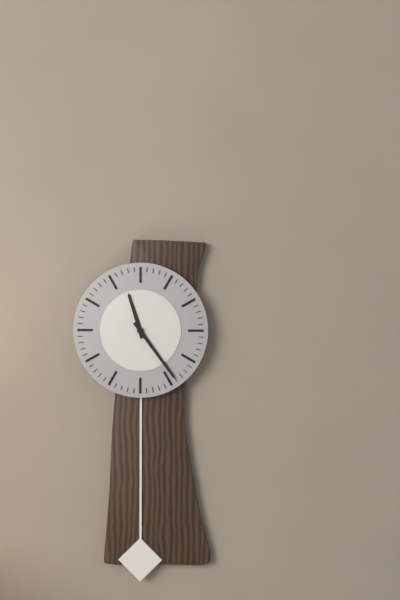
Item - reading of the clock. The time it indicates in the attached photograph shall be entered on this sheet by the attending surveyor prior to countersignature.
11:24
